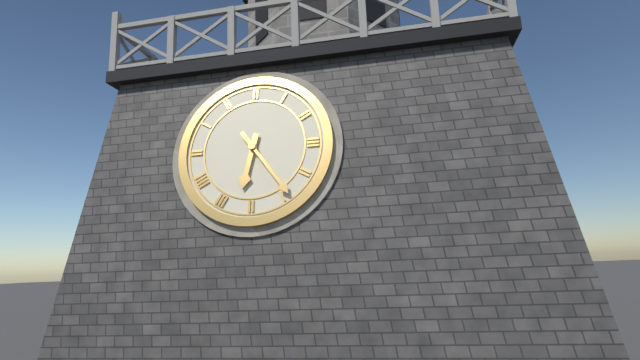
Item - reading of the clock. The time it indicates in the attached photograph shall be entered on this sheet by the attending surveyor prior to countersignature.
6:24
